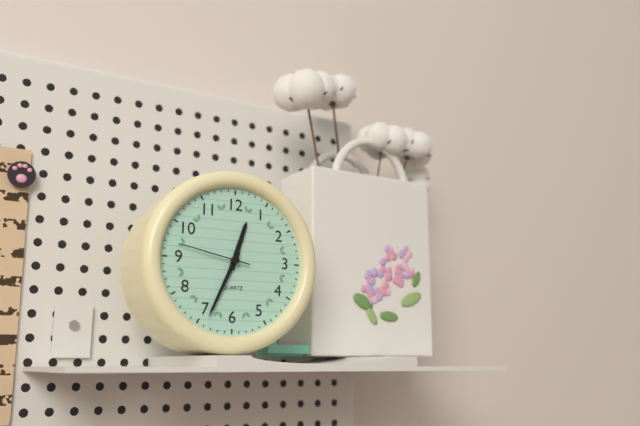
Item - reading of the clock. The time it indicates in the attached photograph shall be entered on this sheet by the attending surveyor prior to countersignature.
12:34:47
